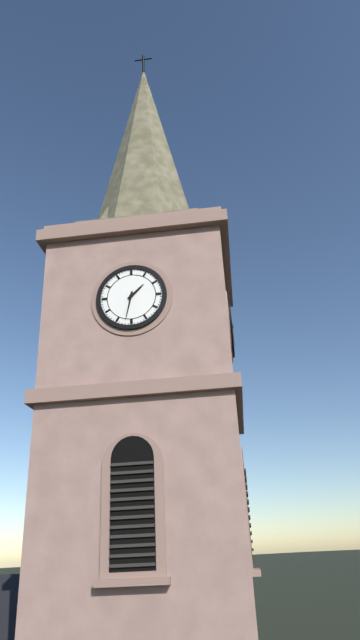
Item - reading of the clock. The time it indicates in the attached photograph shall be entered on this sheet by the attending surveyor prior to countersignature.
1:32
